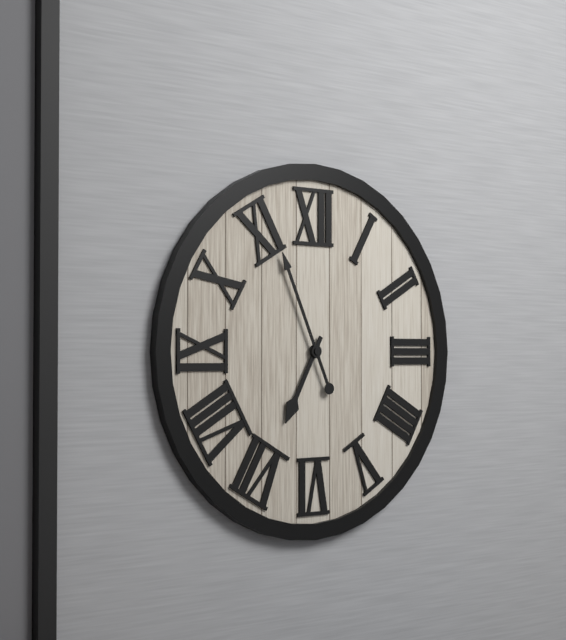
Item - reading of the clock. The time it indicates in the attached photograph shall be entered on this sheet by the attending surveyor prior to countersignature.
6:56
